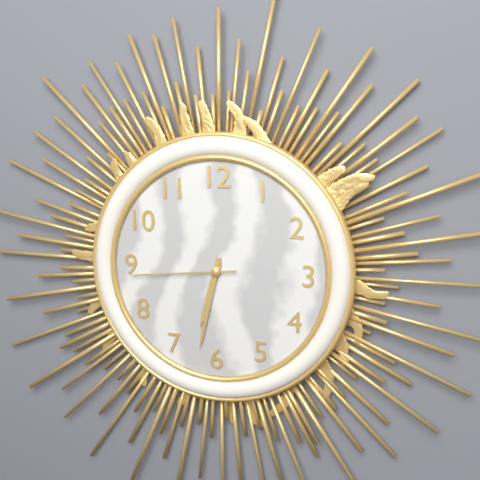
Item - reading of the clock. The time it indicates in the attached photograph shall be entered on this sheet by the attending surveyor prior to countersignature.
6:32:44
